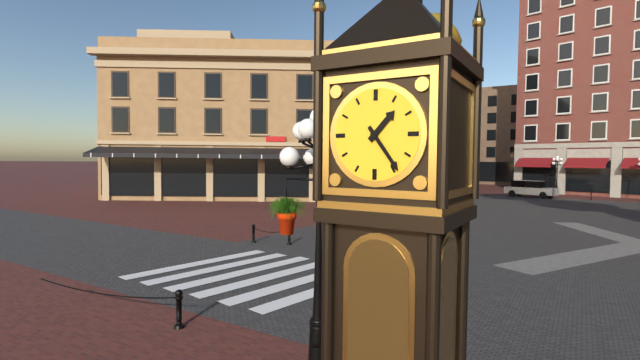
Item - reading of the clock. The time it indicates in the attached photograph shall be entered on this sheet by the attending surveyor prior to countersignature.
1:24
